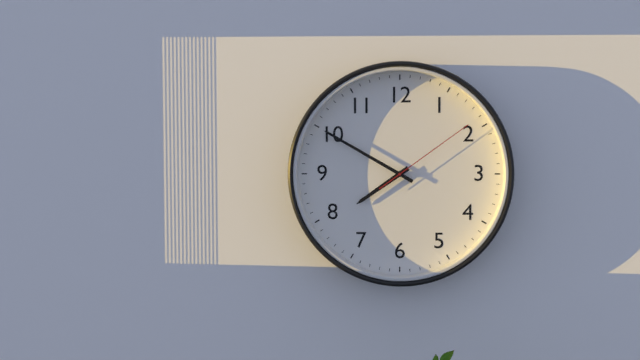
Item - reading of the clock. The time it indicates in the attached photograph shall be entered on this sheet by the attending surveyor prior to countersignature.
7:50:09
